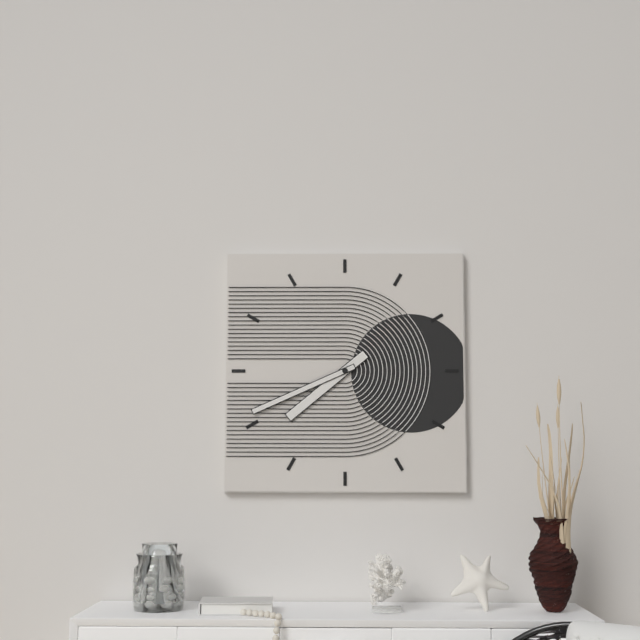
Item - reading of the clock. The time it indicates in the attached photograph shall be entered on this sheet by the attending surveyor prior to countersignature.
7:41
